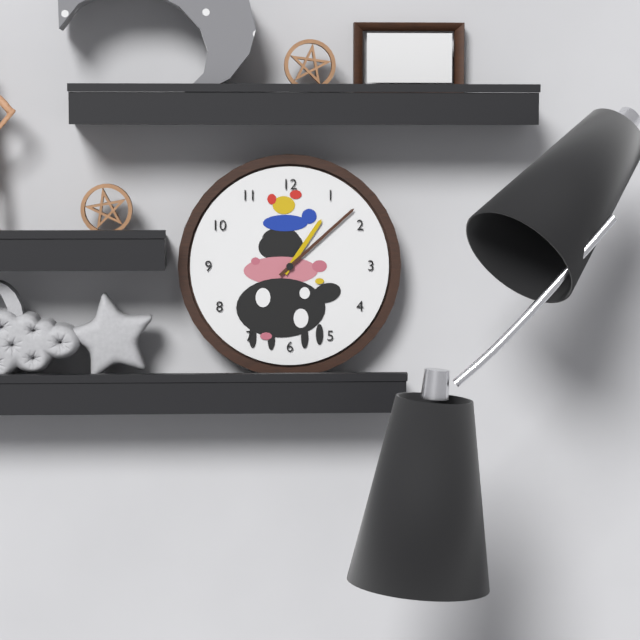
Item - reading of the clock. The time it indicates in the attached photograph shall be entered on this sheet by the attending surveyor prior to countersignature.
1:08
